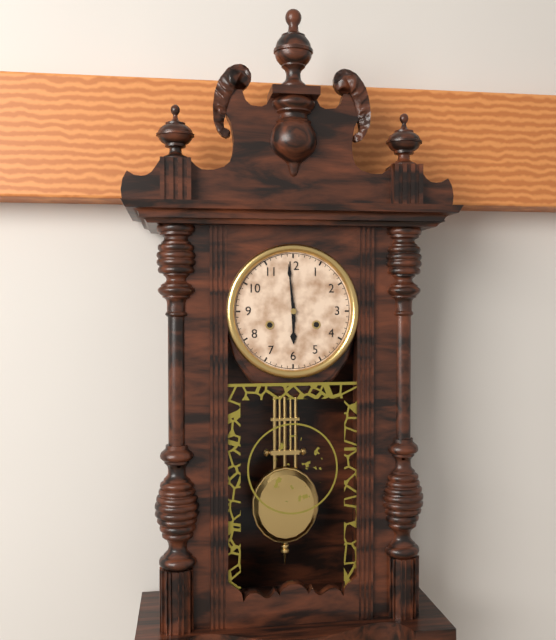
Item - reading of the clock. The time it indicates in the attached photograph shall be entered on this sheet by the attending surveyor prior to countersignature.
5:59
